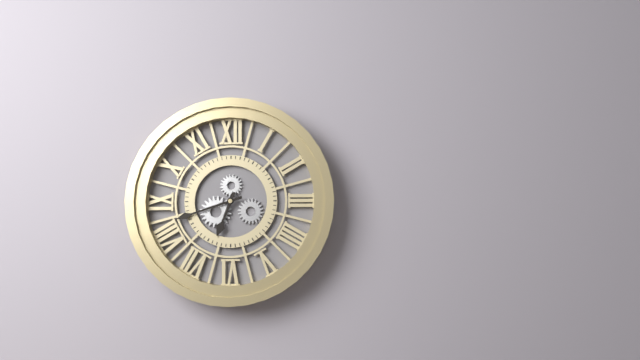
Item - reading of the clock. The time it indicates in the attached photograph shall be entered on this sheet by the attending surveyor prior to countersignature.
6:42
